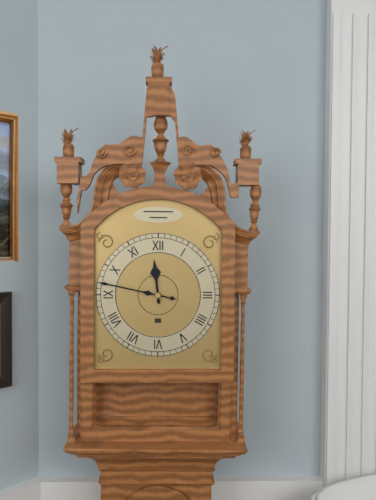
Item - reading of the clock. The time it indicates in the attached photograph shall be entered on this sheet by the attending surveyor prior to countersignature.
11:47
